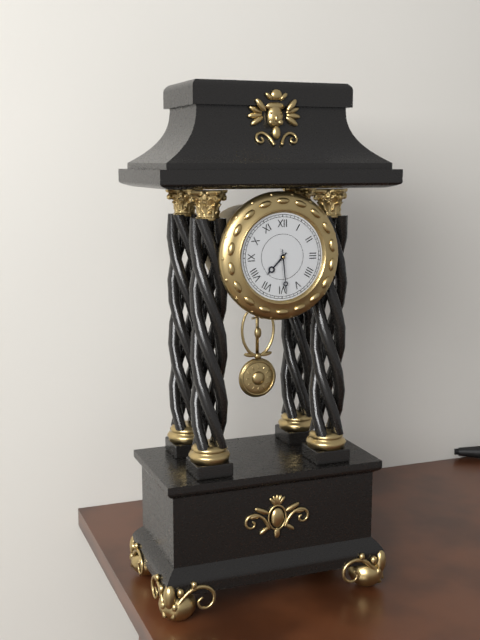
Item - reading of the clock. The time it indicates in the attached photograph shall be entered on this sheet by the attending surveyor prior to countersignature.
7:29
